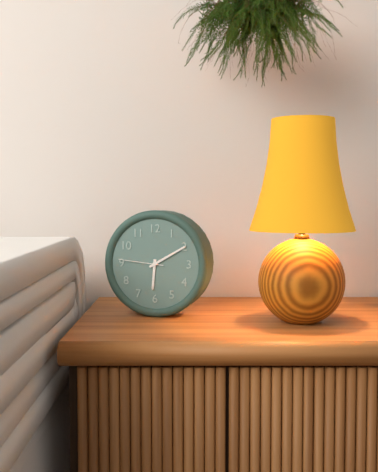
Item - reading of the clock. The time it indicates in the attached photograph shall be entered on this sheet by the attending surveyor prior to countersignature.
6:10
